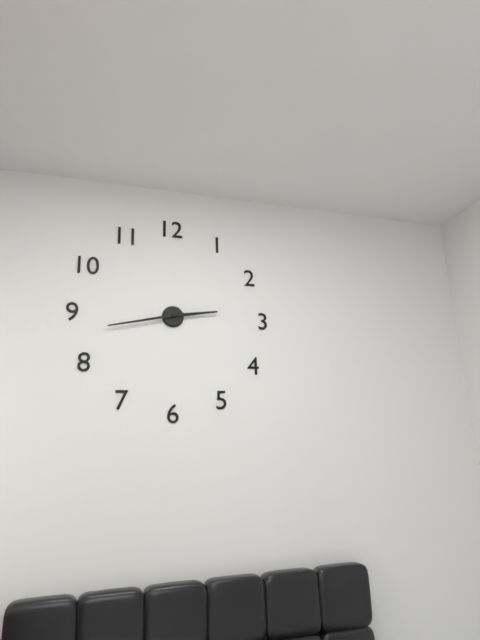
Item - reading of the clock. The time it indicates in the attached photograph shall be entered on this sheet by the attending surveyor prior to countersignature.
2:43
